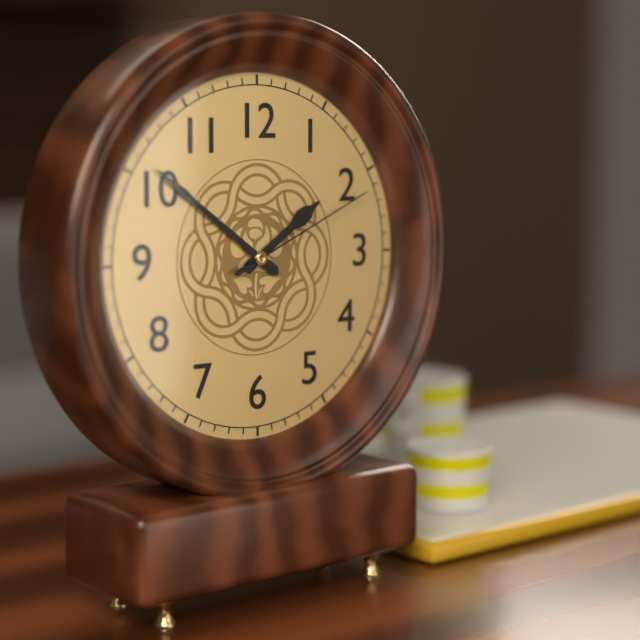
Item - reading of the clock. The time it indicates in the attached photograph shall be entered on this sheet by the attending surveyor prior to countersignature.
1:51:11
